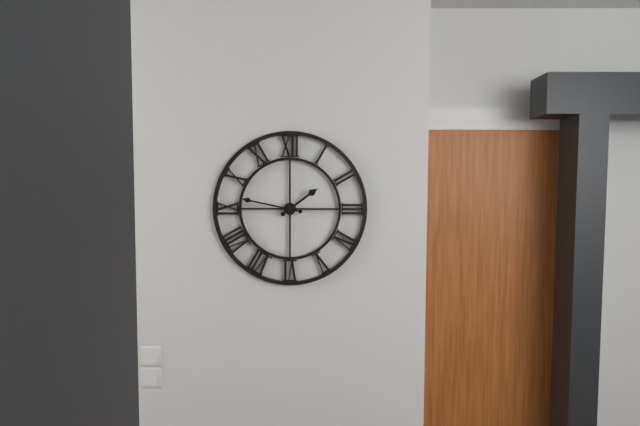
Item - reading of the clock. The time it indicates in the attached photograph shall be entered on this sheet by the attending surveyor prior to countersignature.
1:47
